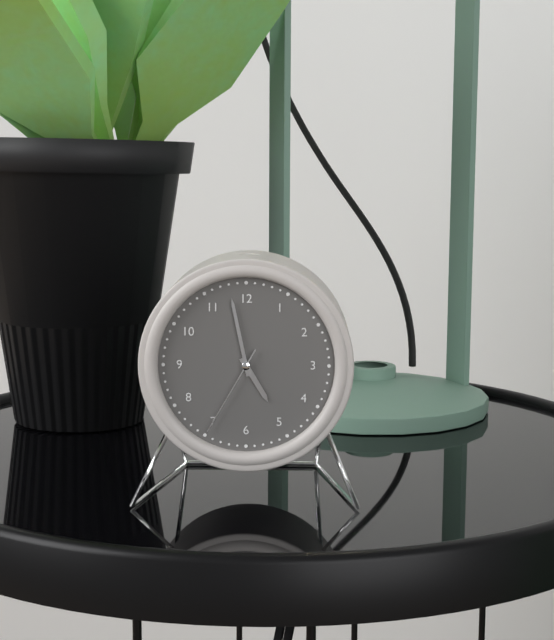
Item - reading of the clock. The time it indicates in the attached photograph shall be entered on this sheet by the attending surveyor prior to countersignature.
4:58:35
